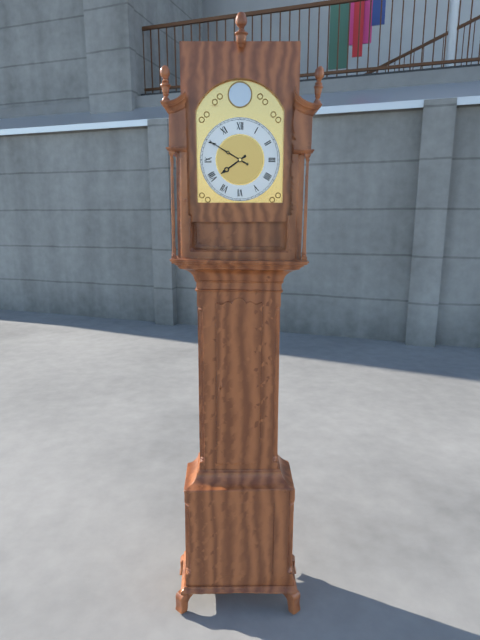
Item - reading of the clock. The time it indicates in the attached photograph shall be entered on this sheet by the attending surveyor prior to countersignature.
7:50
